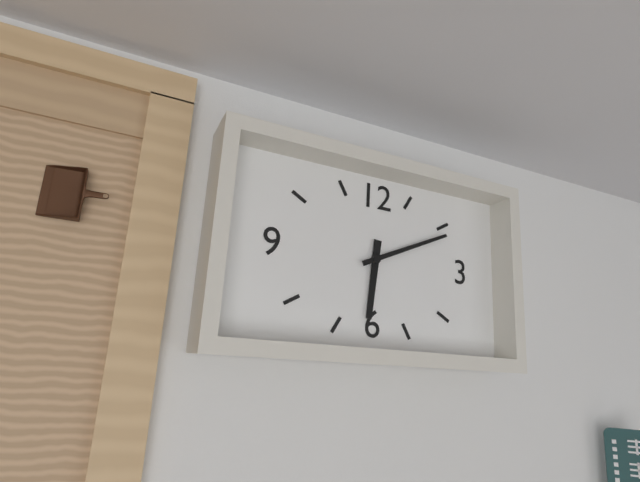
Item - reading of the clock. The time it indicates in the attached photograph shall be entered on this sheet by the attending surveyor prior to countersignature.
6:11
